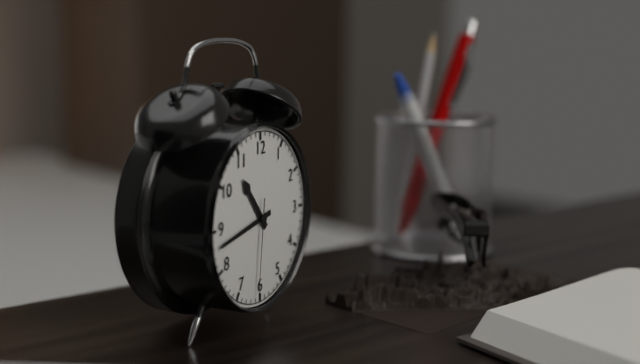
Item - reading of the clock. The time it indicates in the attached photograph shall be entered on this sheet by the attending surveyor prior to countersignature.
10:43:31
